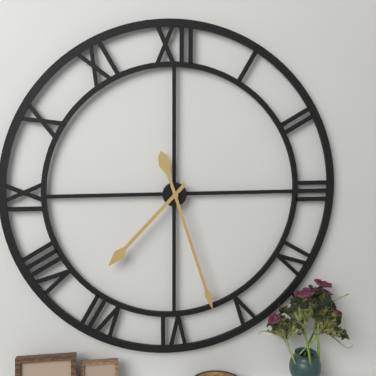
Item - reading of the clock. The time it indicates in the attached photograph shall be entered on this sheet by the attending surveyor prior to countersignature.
7:27
